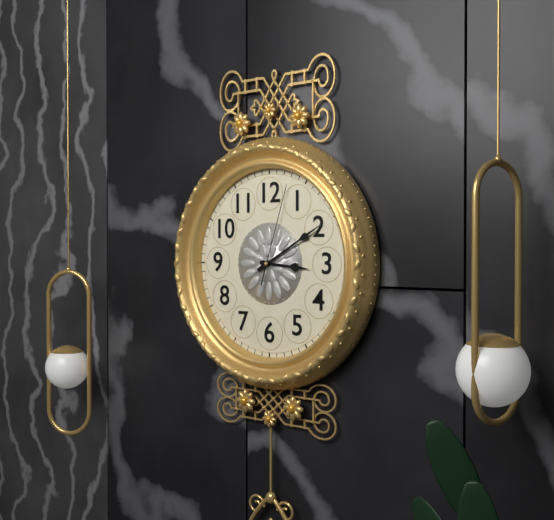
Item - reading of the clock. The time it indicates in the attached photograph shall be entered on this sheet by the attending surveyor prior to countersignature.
3:10:03
